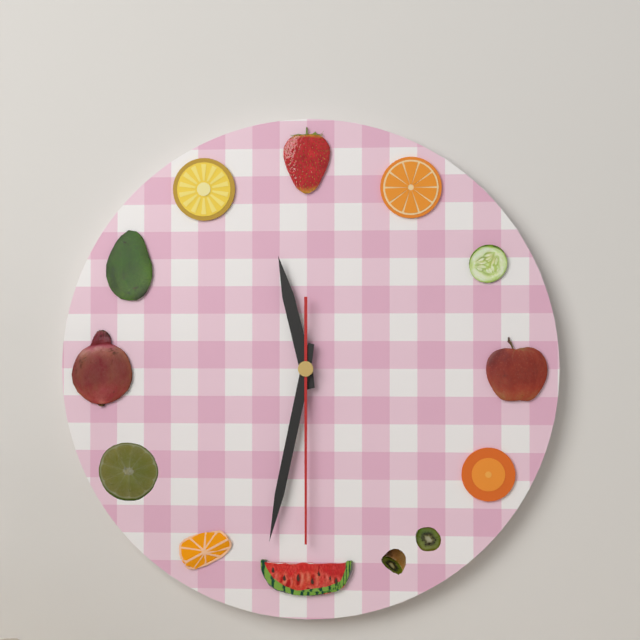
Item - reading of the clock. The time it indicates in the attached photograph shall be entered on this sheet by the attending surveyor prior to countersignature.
11:32:30
